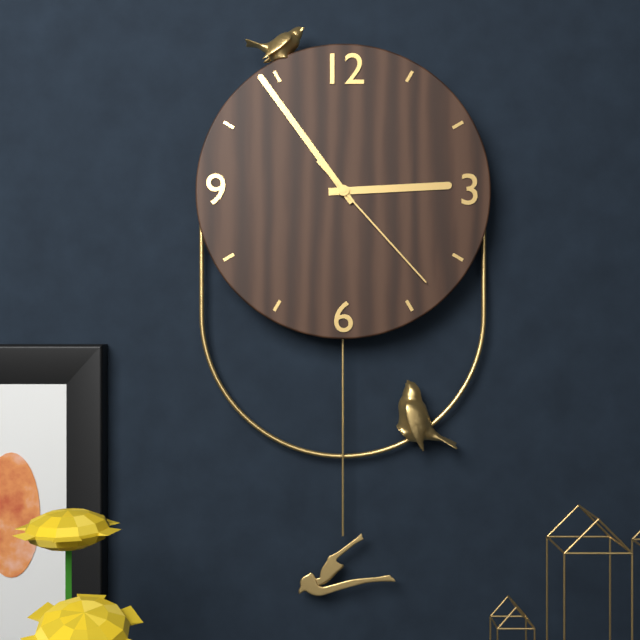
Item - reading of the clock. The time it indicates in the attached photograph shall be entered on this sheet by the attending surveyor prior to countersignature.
2:54:23
